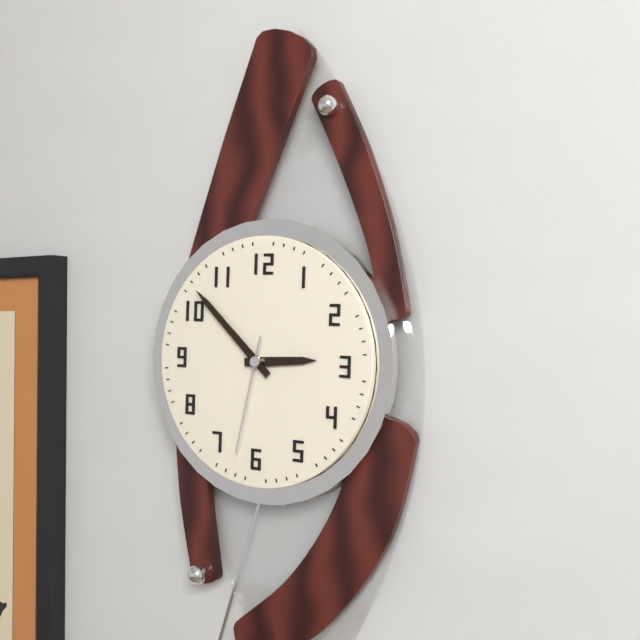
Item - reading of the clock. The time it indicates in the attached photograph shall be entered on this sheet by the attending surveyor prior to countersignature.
2:52:32
